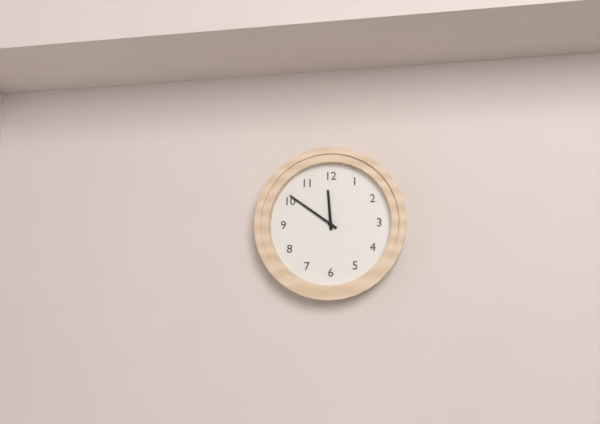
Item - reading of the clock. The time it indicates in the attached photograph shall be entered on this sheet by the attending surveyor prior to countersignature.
11:51
